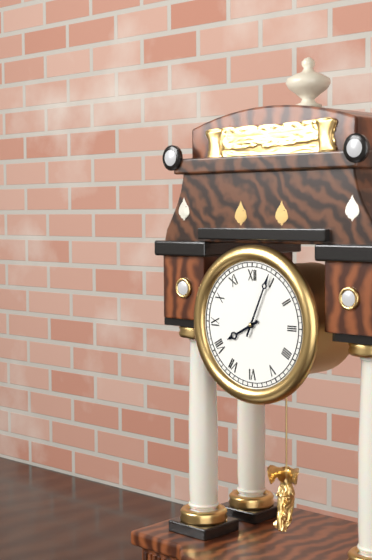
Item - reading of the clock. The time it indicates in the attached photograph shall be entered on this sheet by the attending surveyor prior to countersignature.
8:04
